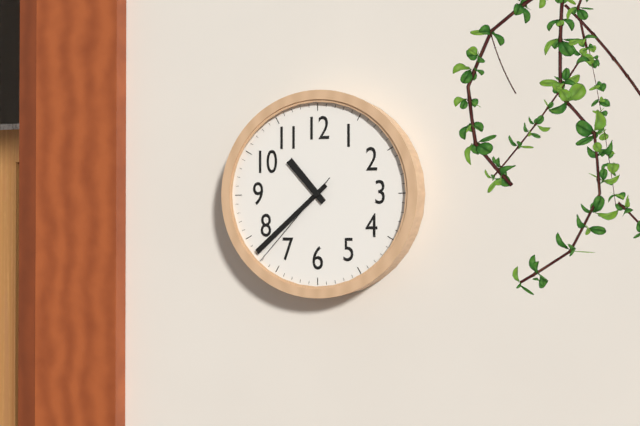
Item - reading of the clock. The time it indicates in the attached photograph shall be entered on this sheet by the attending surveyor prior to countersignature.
10:38:37
